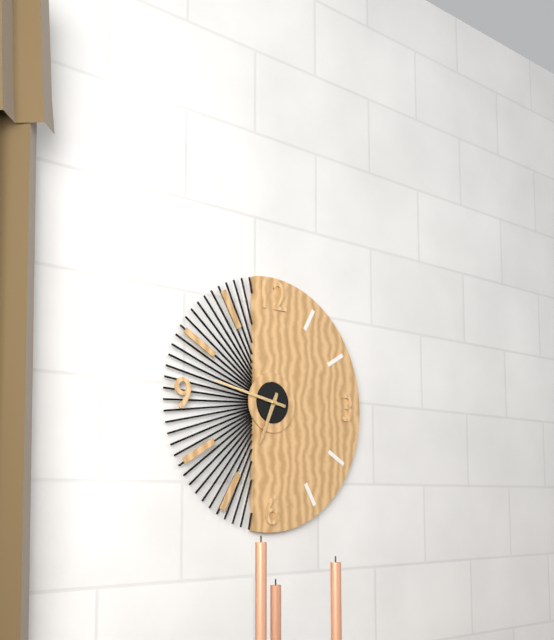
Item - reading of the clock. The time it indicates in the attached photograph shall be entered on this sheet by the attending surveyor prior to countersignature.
6:47
